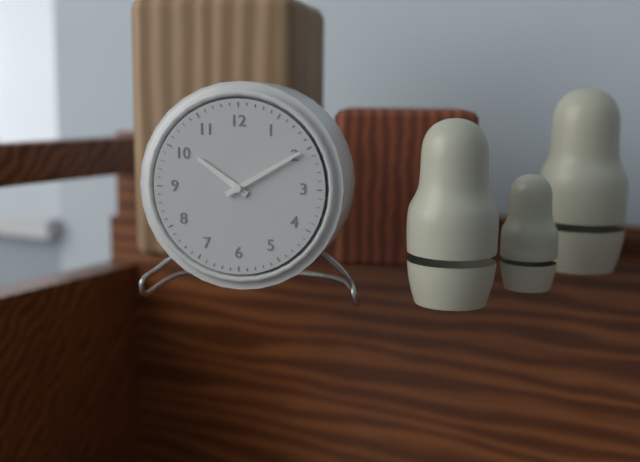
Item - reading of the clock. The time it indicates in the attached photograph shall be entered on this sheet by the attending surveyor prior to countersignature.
10:10
